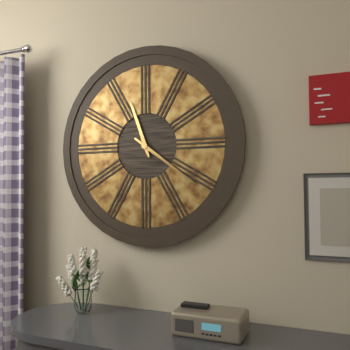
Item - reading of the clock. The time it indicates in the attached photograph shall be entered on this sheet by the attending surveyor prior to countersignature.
11:21
